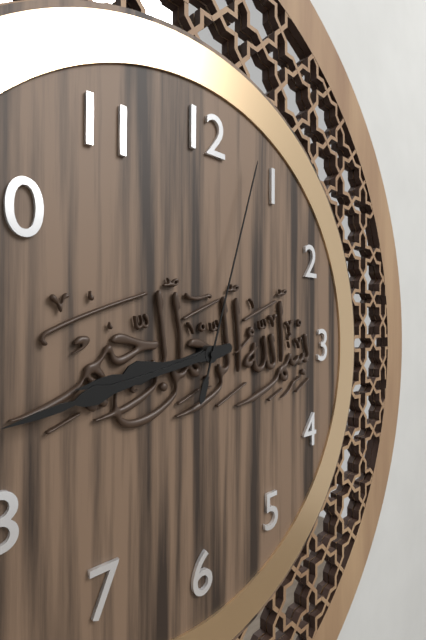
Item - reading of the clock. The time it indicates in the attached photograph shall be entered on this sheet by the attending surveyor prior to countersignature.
8:43:03
